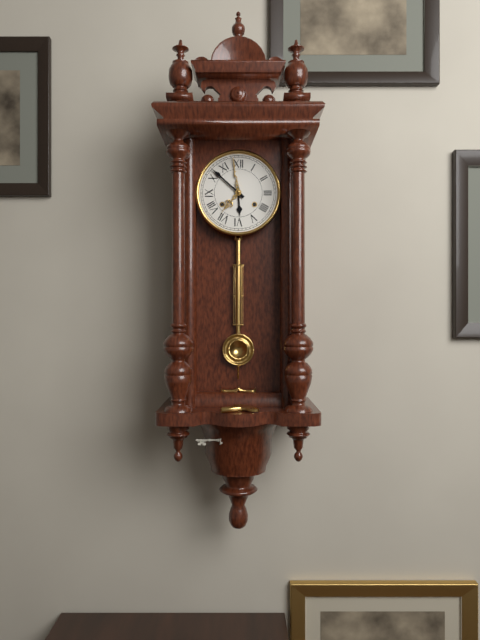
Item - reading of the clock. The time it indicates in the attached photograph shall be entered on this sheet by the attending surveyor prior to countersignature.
5:52
